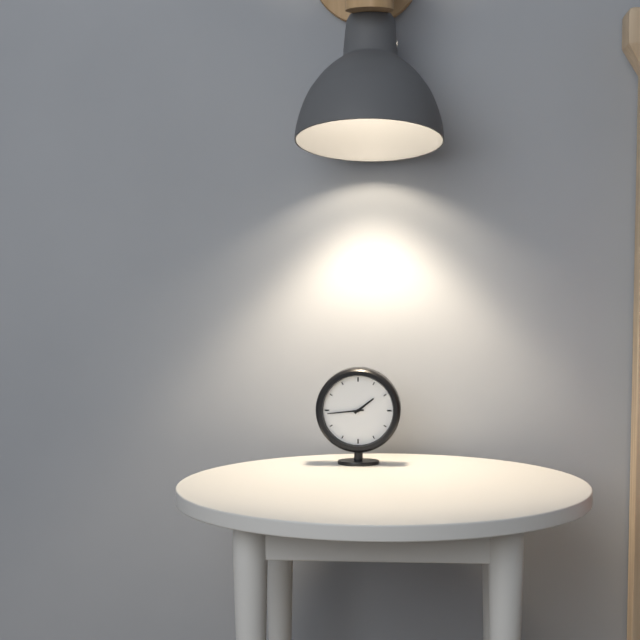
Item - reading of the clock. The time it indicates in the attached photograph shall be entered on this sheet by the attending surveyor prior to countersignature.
1:44
